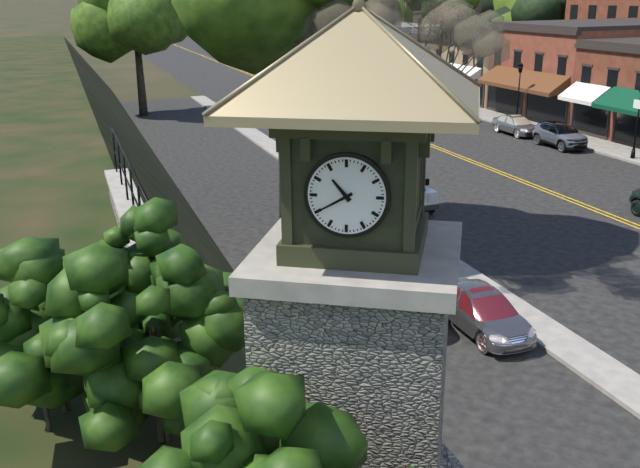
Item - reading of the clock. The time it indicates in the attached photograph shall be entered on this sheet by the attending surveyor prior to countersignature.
10:40
